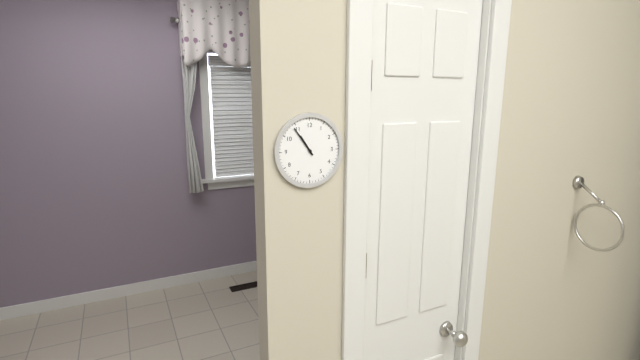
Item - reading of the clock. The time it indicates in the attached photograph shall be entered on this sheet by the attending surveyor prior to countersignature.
10:54
